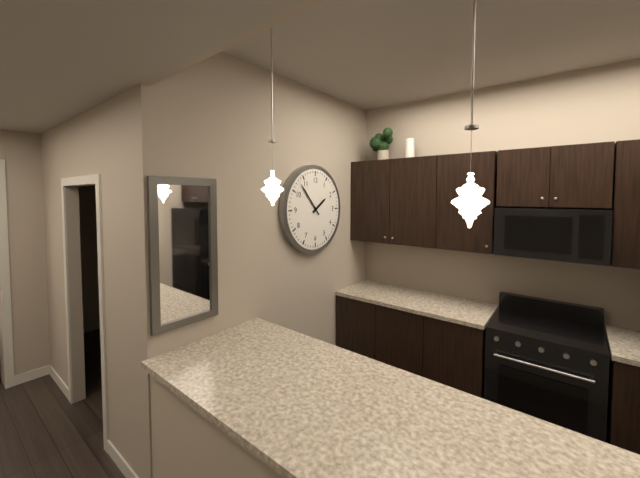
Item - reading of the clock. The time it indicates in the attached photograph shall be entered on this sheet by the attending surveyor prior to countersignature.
1:53
